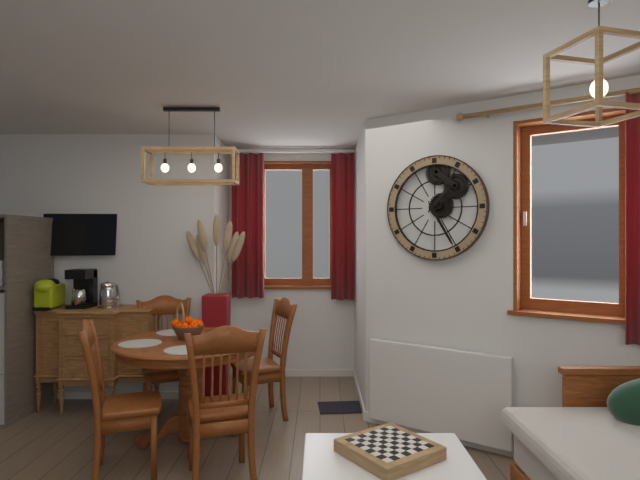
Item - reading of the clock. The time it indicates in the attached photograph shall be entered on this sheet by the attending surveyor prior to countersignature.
1:25
